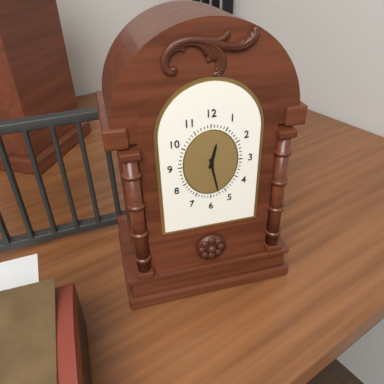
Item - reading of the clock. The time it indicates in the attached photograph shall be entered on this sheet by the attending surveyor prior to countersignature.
12:28
